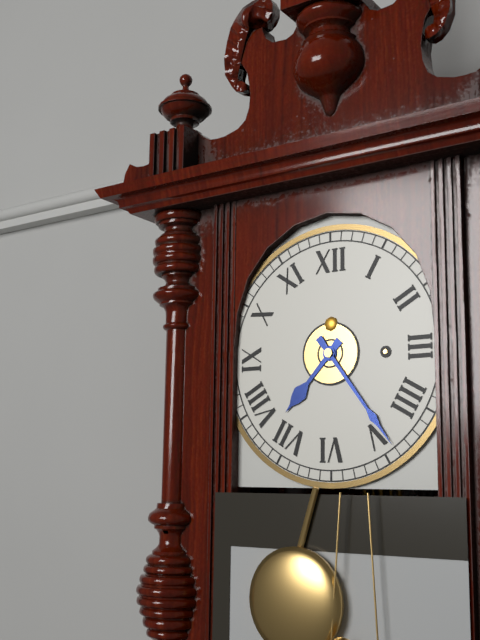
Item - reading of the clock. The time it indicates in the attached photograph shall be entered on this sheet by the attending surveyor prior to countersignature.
7:24
